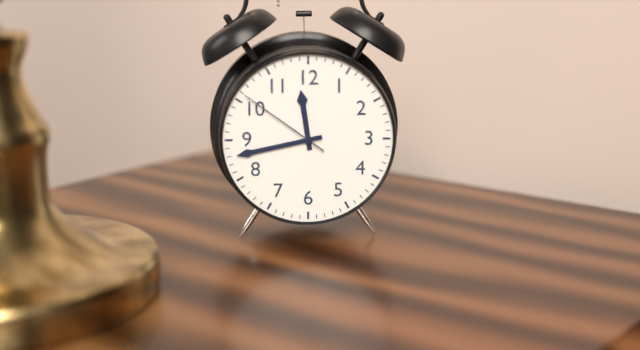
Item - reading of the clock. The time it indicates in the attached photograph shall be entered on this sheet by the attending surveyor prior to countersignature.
11:43:51
